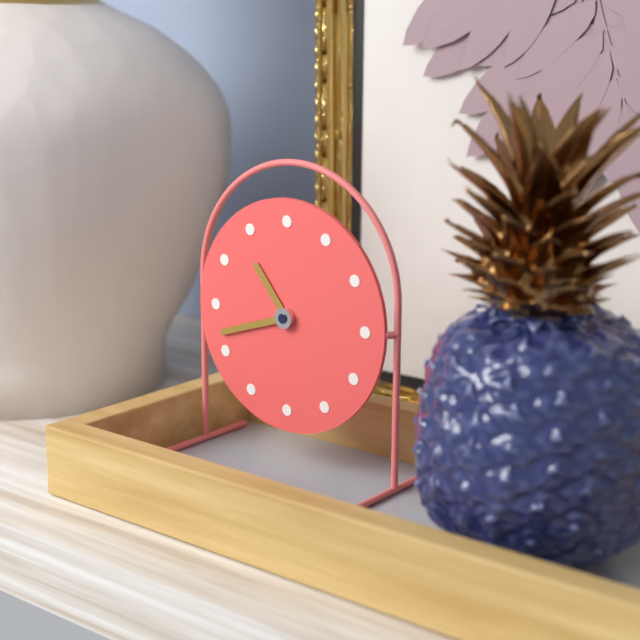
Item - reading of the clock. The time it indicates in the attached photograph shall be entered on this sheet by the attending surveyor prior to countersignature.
10:42
